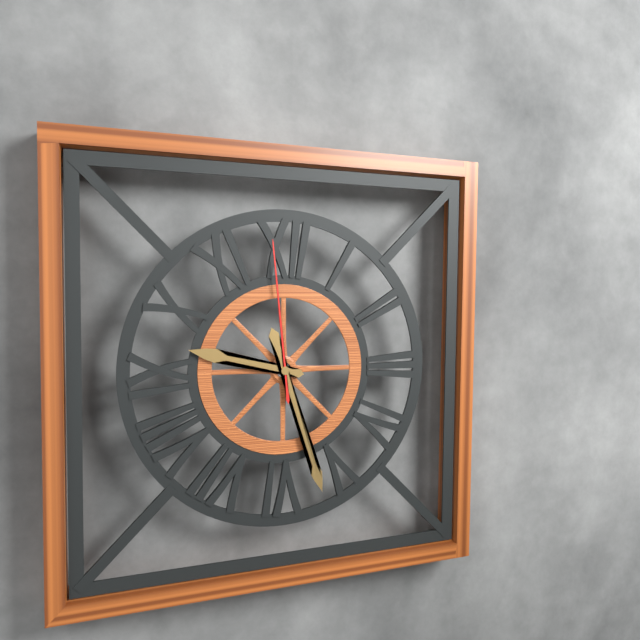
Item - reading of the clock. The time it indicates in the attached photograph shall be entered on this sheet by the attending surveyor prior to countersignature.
9:27:59
